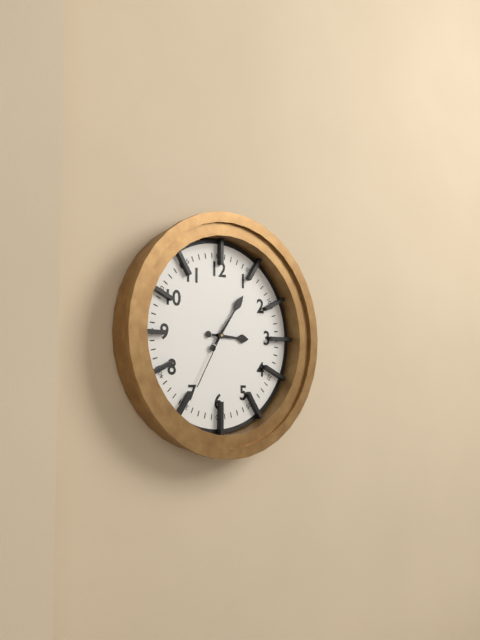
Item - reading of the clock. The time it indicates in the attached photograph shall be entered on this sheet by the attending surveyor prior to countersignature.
3:06:35
